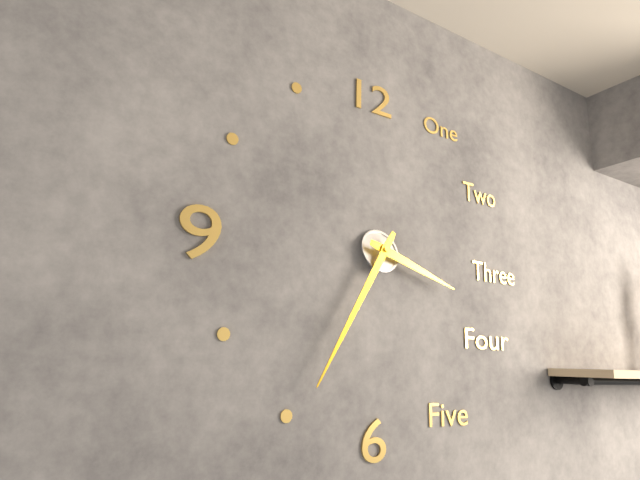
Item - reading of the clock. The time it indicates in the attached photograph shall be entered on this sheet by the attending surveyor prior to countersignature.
3:35
